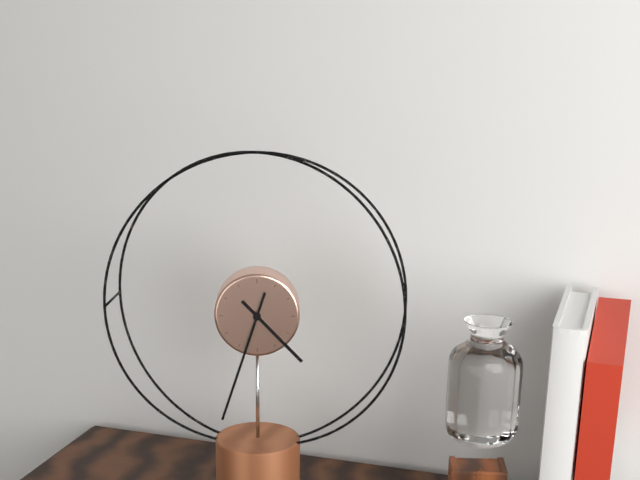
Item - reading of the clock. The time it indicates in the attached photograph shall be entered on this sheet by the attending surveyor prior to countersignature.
4:33
